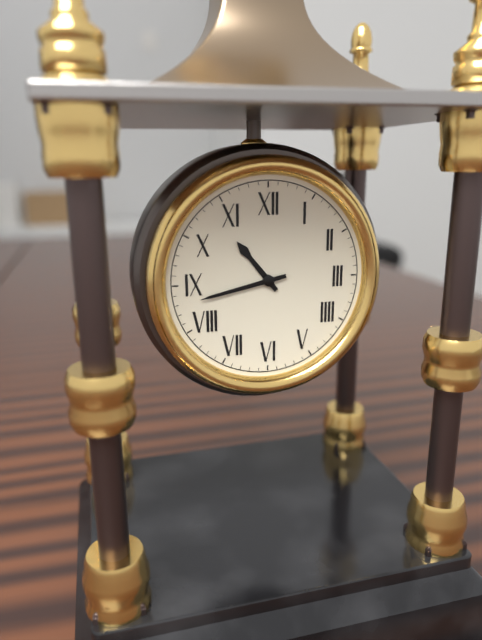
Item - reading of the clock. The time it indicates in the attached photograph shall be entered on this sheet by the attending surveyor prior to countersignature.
10:43
